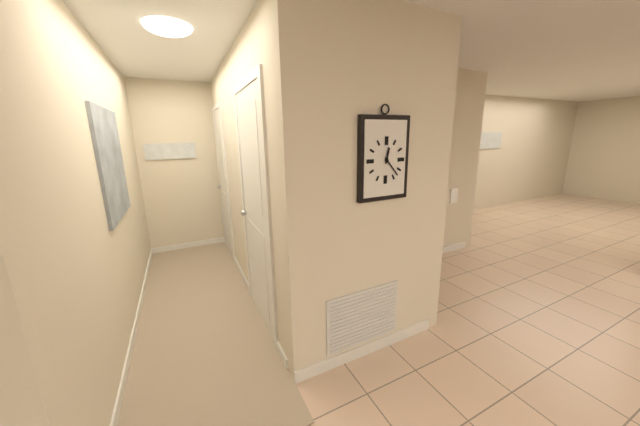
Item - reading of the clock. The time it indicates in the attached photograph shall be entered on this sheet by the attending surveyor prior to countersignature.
12:23
